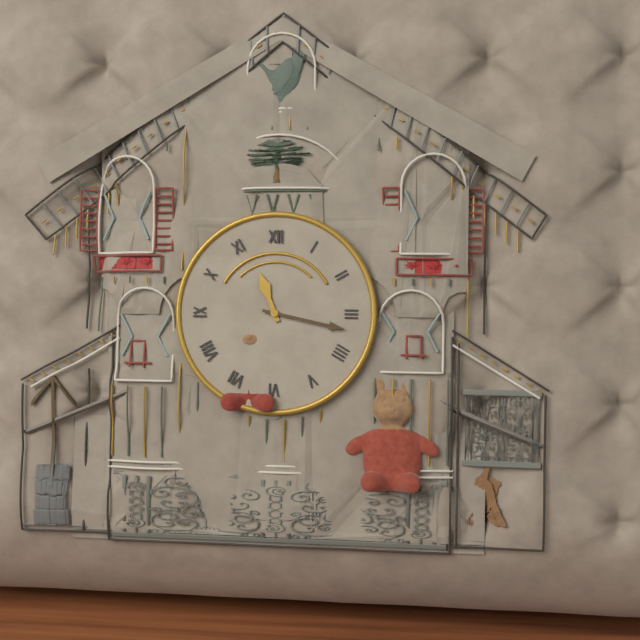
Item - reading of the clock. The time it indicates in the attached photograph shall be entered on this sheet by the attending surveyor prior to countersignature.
11:17
